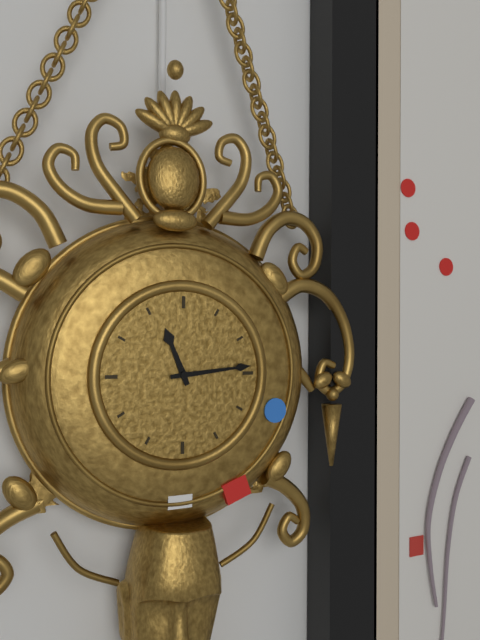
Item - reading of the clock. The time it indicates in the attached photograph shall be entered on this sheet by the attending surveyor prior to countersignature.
11:14
